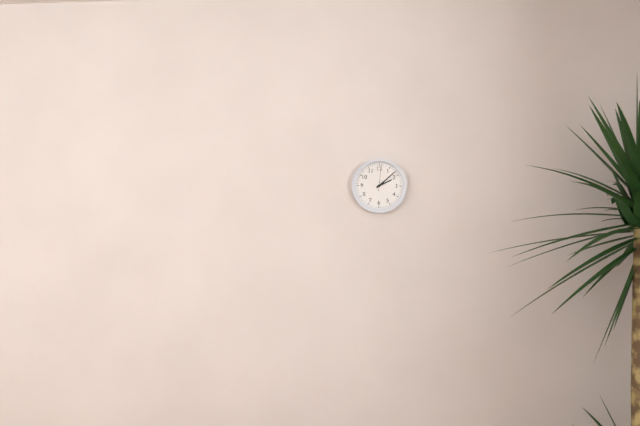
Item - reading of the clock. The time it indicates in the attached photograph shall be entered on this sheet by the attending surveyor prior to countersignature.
2:08
